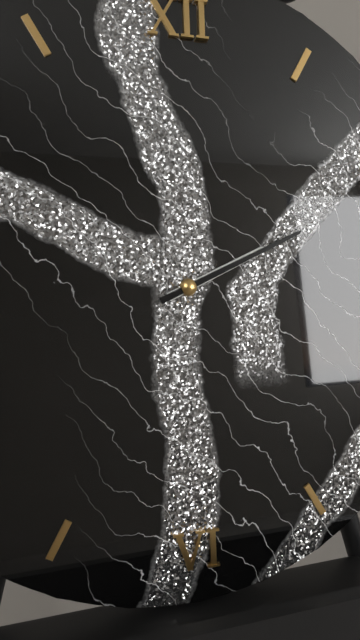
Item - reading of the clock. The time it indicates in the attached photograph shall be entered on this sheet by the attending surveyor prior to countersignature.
2:11
